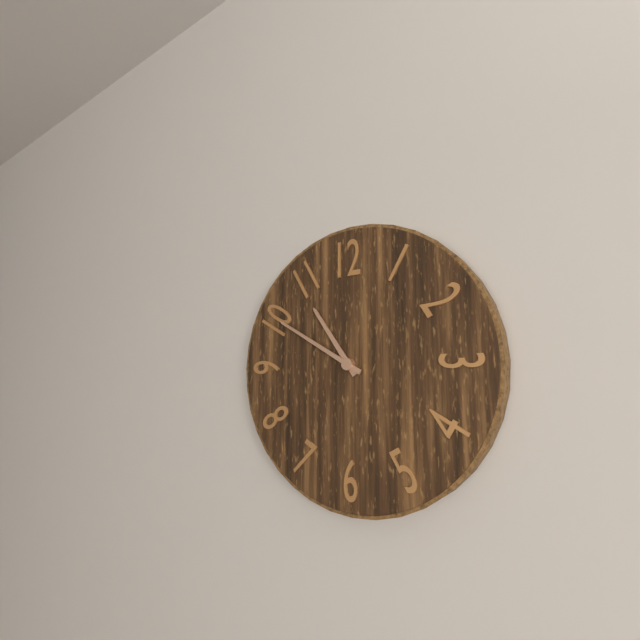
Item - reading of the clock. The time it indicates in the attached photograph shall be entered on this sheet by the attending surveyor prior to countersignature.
10:50
